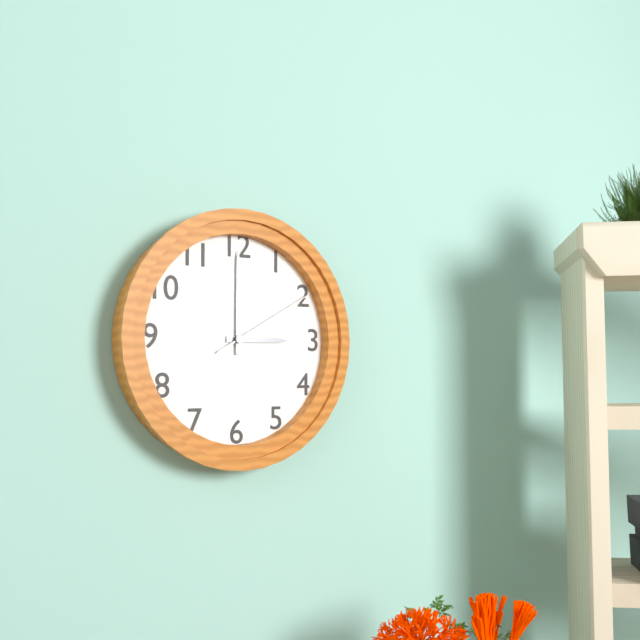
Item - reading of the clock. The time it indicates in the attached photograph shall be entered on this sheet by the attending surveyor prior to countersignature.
3:00:10
